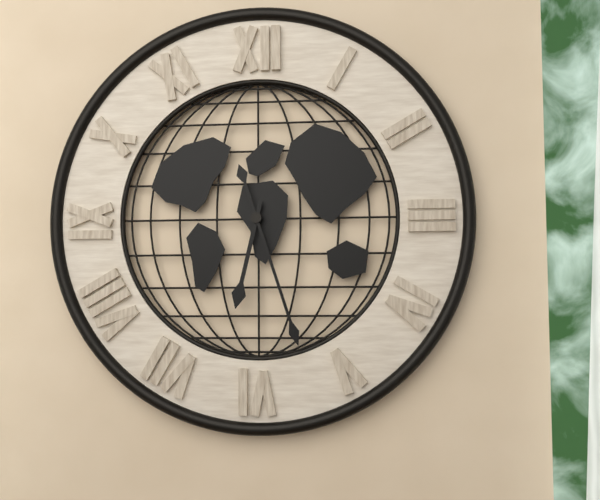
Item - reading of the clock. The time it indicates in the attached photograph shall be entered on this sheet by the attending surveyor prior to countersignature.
6:27
